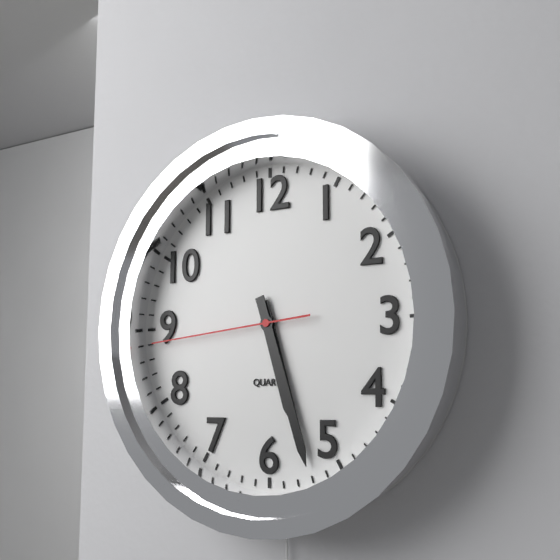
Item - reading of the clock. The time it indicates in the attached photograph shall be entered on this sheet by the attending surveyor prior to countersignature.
5:27:44
